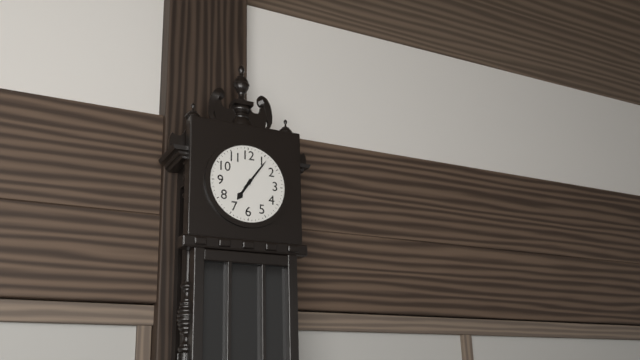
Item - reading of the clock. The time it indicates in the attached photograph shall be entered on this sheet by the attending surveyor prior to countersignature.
7:06
